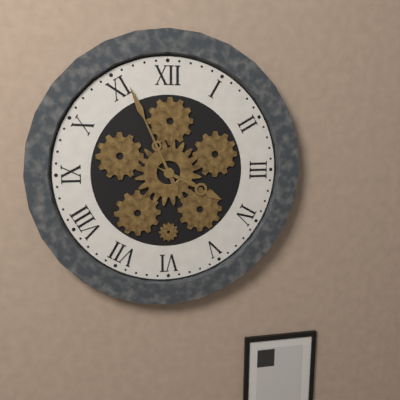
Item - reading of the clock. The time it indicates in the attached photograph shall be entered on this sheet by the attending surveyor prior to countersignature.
3:56
